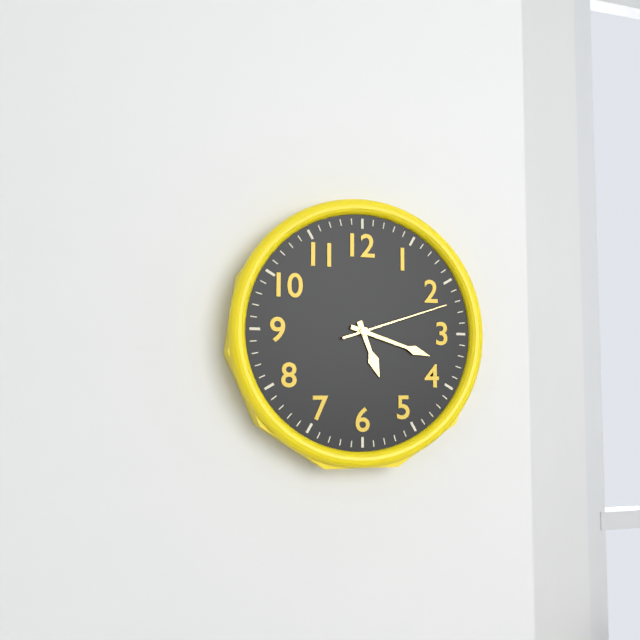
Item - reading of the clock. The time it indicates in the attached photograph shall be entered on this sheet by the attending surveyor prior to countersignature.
5:18:12
